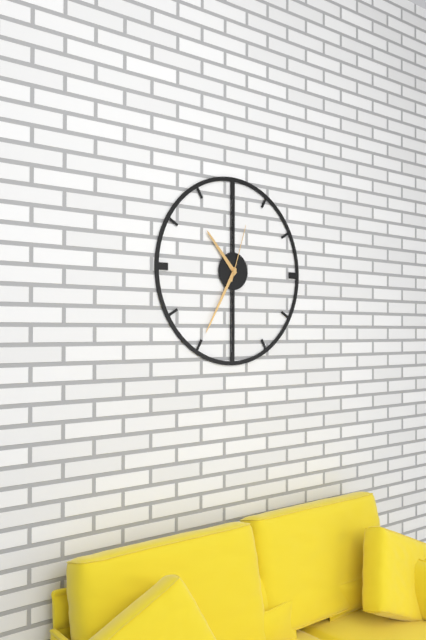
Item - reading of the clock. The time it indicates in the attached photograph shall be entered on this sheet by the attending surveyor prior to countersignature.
10:35:03
